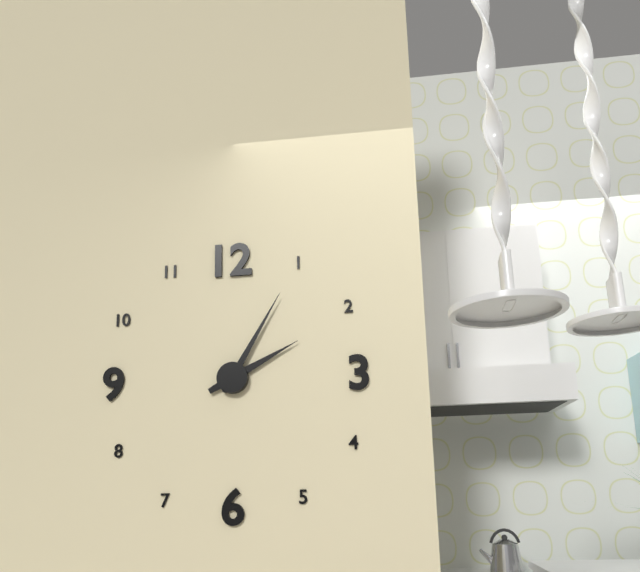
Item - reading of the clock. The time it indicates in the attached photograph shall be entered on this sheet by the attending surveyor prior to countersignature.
2:05
